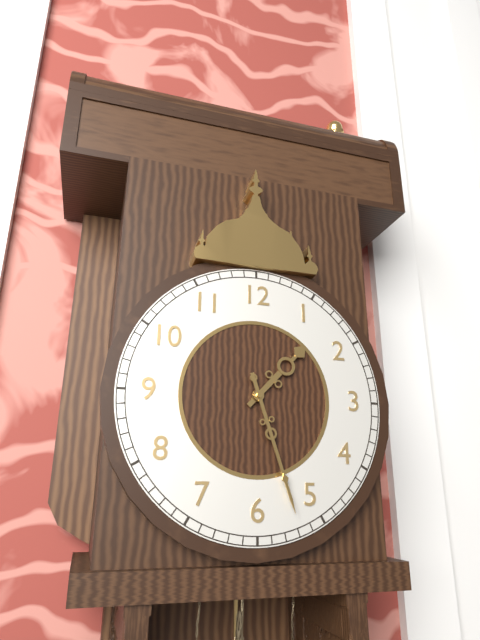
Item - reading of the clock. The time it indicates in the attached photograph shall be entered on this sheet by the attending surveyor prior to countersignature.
1:27
